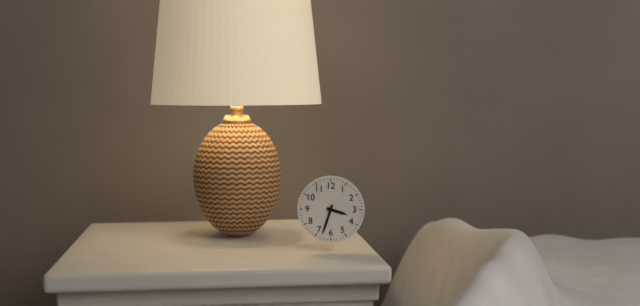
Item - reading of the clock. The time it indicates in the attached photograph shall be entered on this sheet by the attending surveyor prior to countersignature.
3:33
